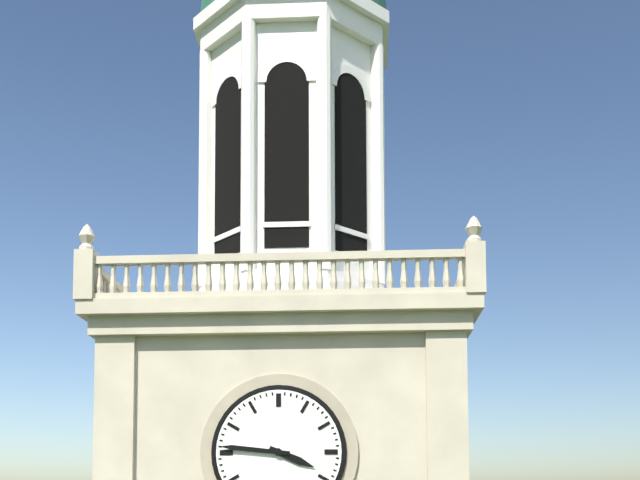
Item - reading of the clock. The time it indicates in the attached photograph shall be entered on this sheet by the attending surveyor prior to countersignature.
3:46
